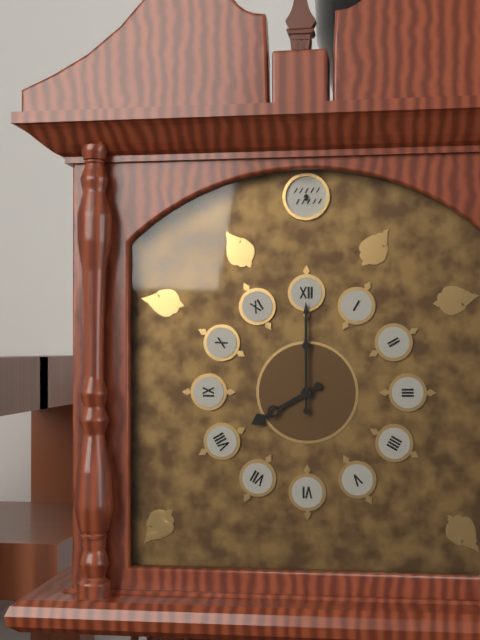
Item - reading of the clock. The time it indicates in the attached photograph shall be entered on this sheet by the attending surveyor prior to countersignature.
8:00
